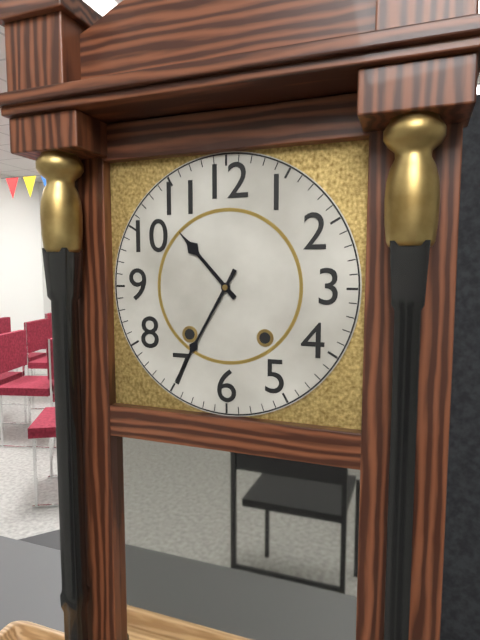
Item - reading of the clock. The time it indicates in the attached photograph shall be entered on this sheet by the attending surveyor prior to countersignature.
10:35
